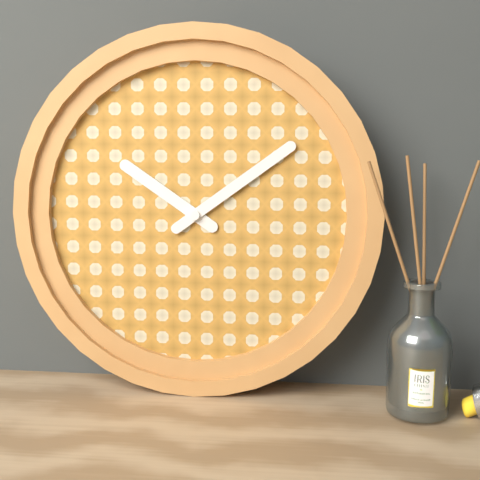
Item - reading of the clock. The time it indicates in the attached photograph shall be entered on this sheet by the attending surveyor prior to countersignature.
10:09
